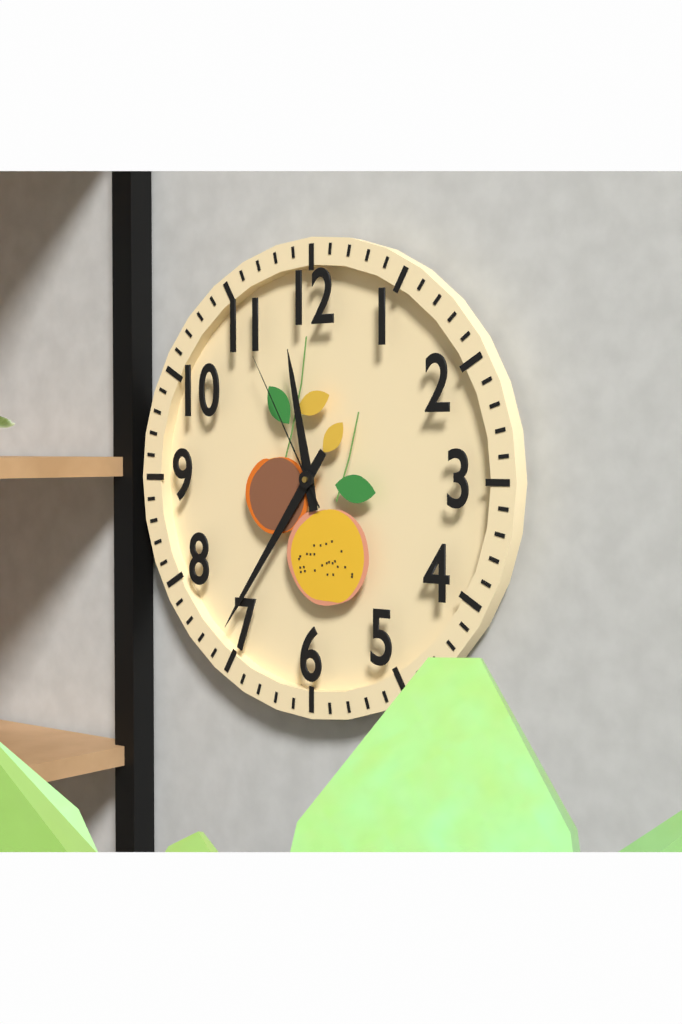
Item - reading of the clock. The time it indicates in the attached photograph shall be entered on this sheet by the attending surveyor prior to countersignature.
11:36:55
